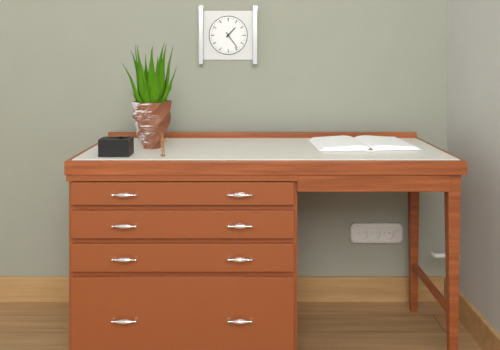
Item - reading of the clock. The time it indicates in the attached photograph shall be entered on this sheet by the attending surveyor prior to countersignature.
1:24
